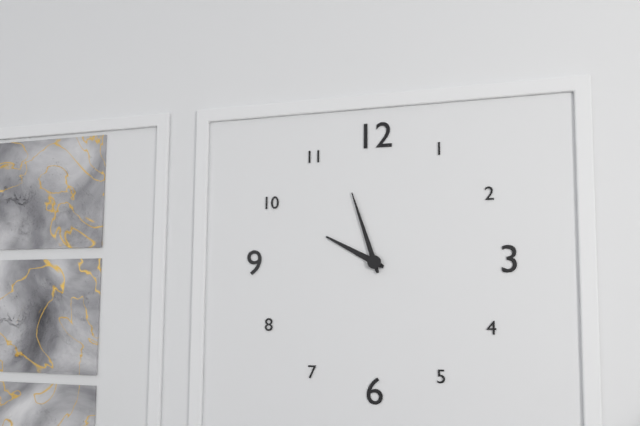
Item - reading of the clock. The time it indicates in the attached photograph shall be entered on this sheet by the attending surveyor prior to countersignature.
9:57
